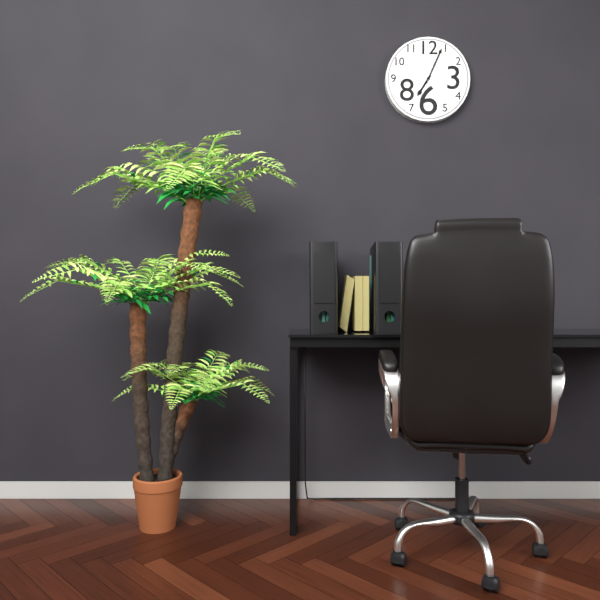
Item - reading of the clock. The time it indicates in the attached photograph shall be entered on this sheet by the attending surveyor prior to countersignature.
7:04
